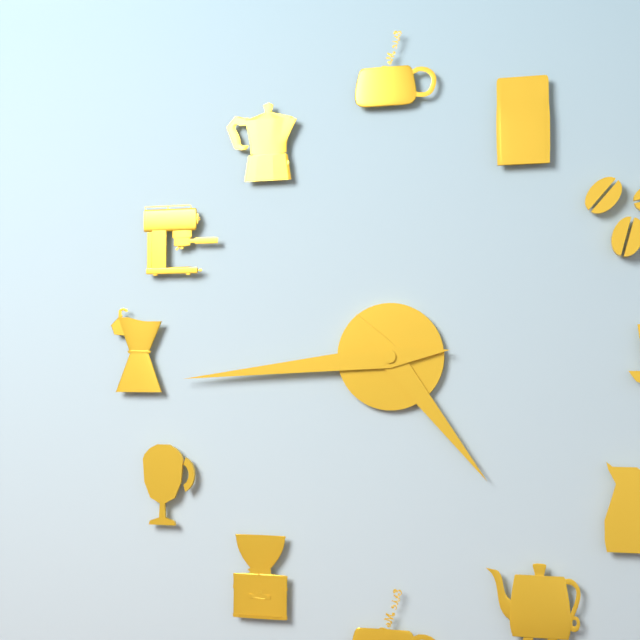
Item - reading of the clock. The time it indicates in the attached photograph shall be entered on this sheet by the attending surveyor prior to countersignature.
4:44
